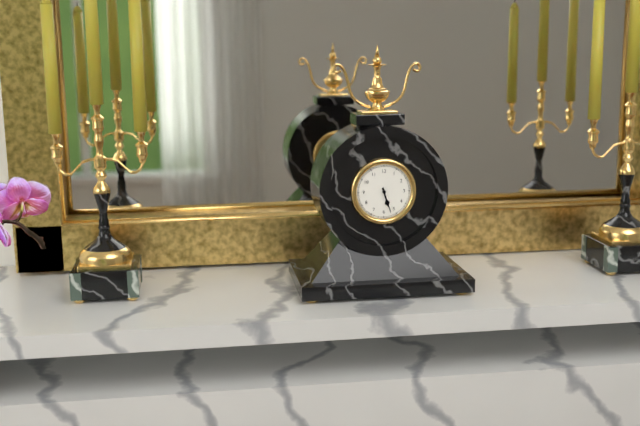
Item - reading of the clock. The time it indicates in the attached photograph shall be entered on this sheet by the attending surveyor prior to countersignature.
5:27
